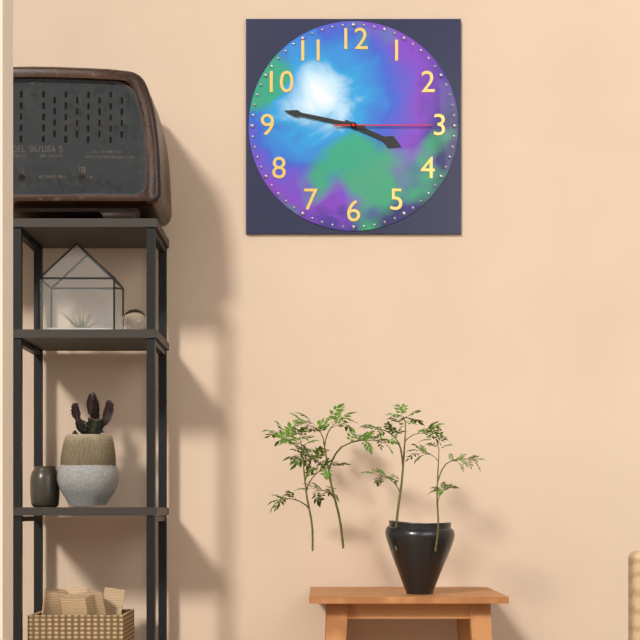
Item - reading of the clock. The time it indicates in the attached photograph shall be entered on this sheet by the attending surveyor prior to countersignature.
3:47:15
